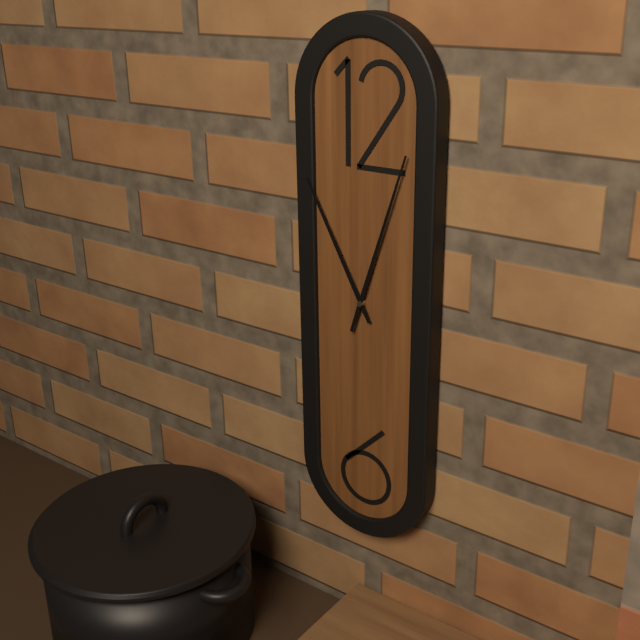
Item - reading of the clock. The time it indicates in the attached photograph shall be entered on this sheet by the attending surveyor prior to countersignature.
11:03
